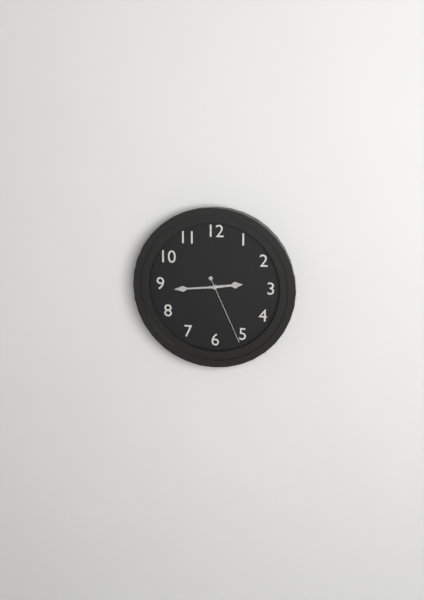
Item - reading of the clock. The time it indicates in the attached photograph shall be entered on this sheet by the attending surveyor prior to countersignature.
2:44:26
